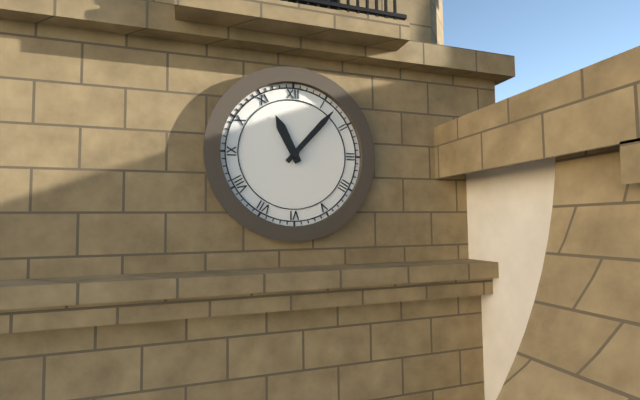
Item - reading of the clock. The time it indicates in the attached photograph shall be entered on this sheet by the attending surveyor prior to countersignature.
11:07
